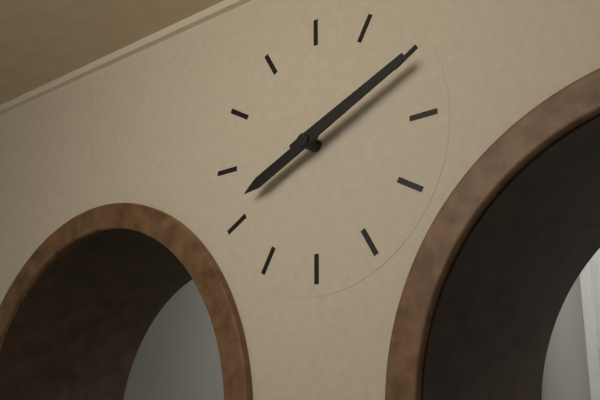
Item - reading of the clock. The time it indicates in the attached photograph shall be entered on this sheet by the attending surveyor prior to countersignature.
8:11
